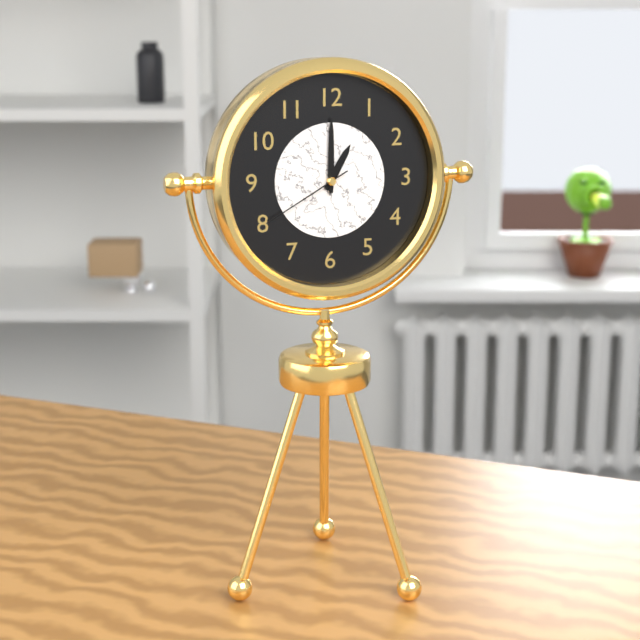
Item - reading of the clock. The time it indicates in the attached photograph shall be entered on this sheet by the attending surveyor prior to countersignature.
1:00:40
